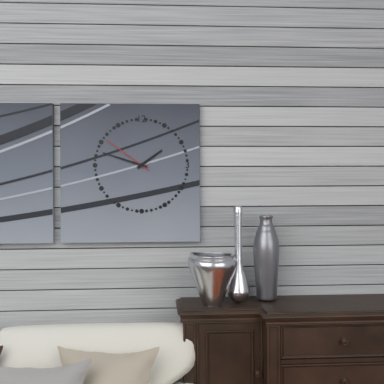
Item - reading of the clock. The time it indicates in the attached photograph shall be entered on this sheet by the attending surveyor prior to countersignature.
1:48:51
